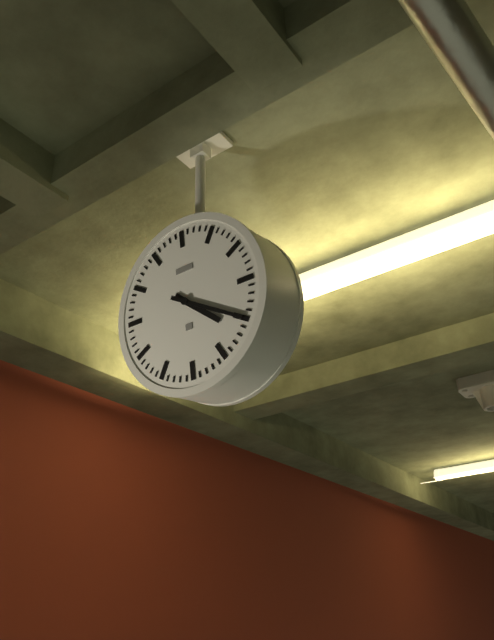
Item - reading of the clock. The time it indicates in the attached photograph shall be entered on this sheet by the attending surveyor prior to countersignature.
4:20
